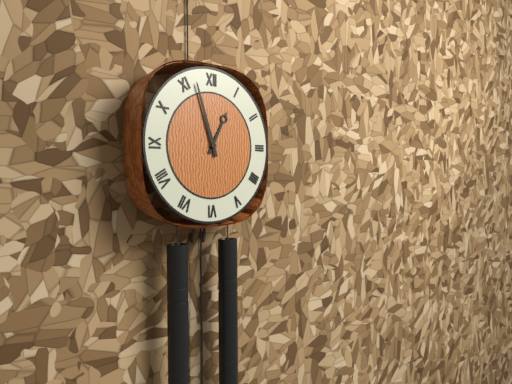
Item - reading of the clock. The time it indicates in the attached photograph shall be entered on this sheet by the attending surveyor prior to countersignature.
12:57
